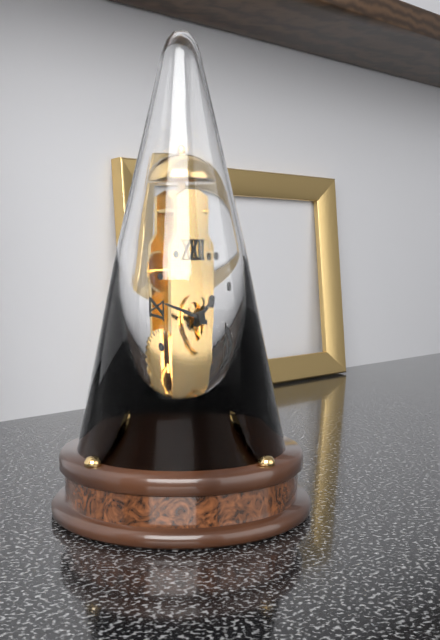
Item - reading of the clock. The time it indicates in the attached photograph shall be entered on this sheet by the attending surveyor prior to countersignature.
1:46
